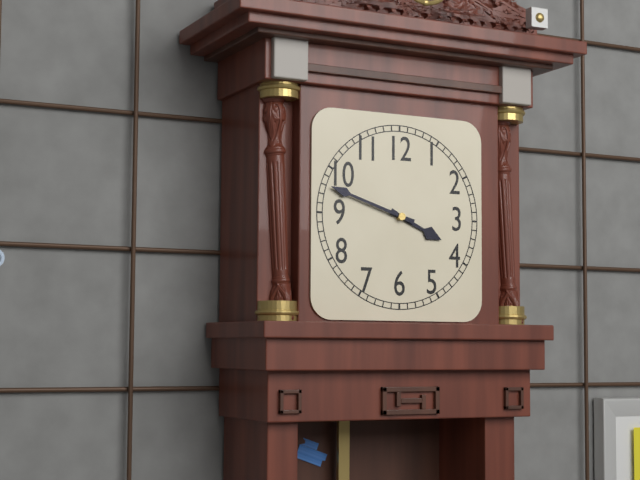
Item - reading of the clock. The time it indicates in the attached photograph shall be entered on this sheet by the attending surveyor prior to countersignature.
3:48
